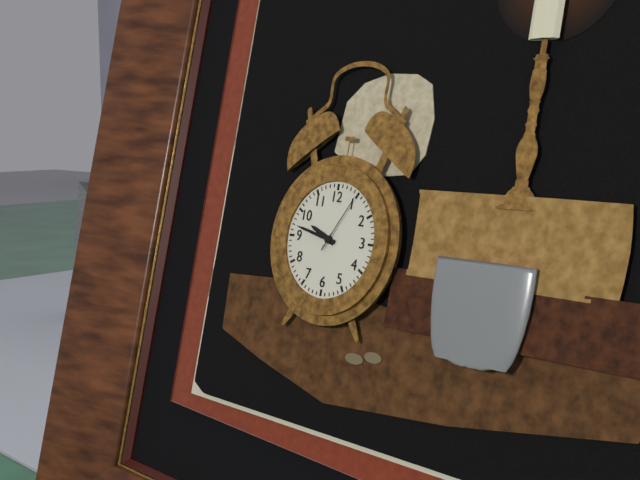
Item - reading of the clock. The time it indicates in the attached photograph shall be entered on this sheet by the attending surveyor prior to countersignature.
9:47:05
